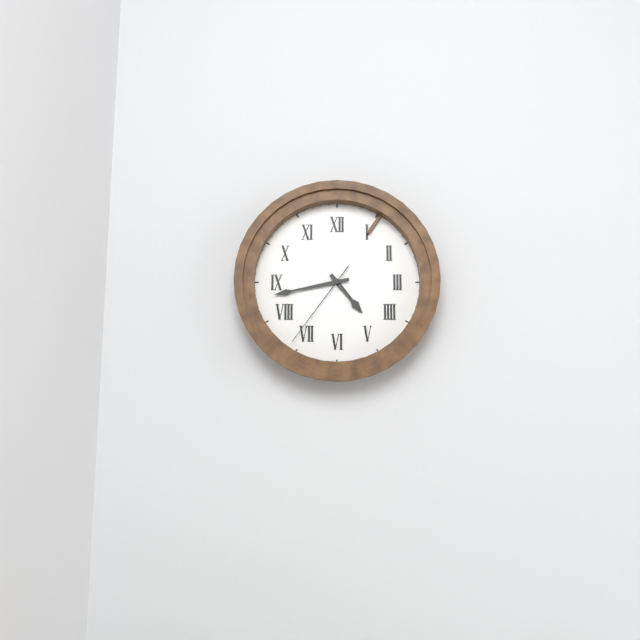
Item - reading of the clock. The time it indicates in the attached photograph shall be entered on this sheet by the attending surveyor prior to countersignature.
4:43:36
